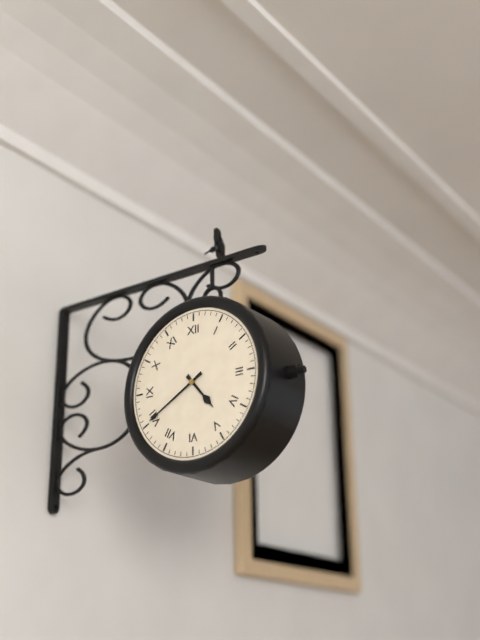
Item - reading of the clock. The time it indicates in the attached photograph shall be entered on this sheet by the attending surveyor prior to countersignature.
4:40
